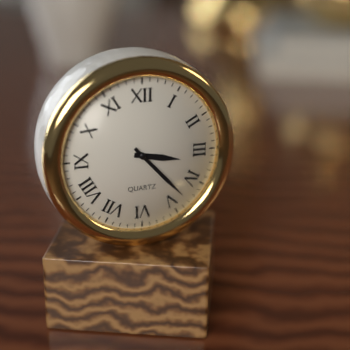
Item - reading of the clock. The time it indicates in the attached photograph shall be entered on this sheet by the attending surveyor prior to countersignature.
3:23
